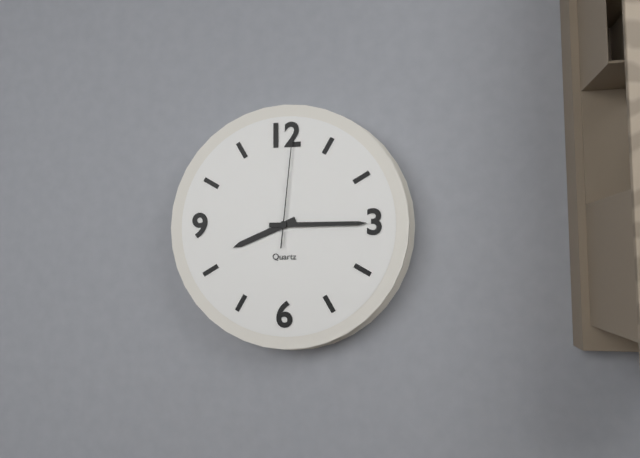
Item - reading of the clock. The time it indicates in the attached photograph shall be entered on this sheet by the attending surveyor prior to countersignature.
8:15:01
